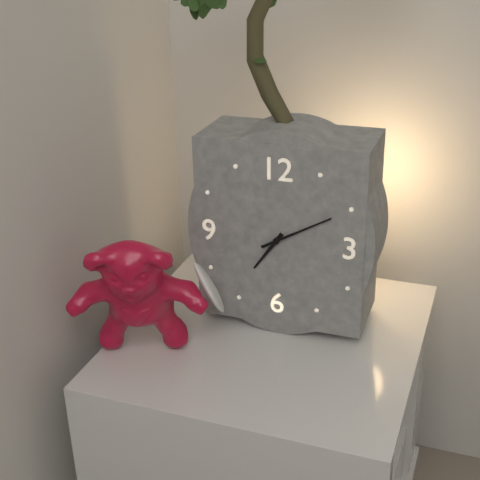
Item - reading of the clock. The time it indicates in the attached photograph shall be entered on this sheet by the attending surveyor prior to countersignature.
7:10
